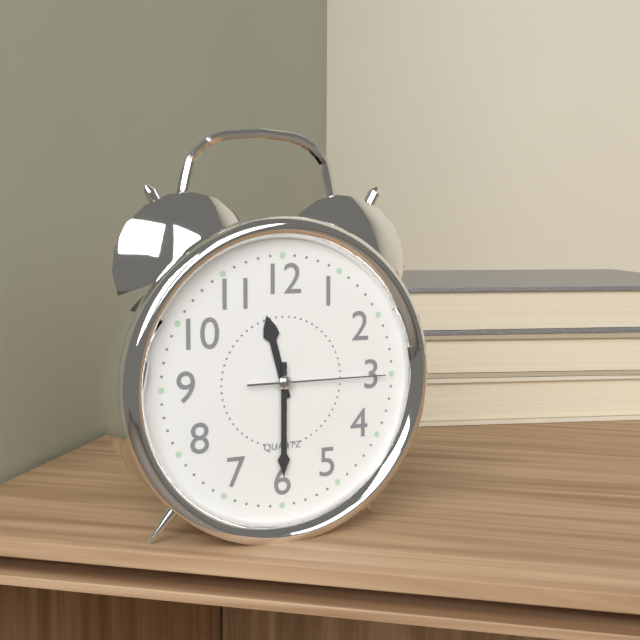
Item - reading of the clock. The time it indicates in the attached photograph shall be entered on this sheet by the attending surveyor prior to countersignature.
11:30:15
